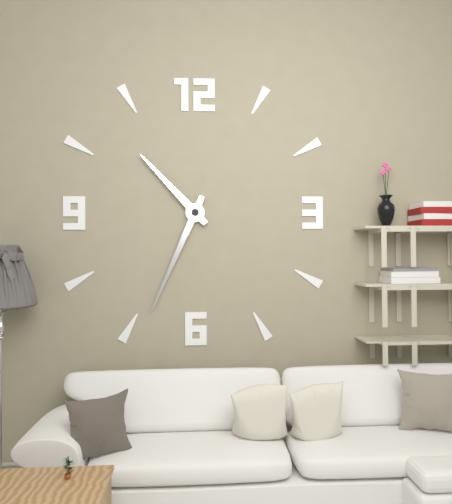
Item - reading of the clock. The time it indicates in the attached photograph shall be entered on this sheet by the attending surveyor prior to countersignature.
10:34
